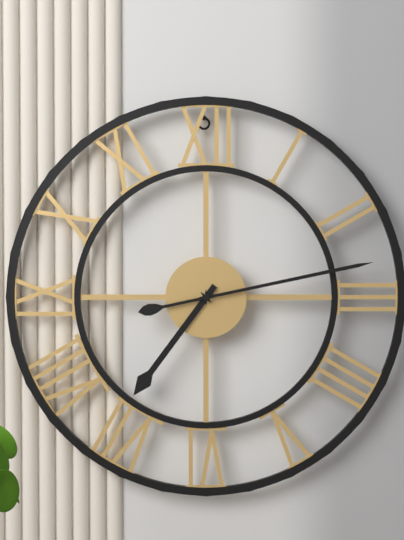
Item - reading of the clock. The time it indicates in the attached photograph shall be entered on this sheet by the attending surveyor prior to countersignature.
7:13
